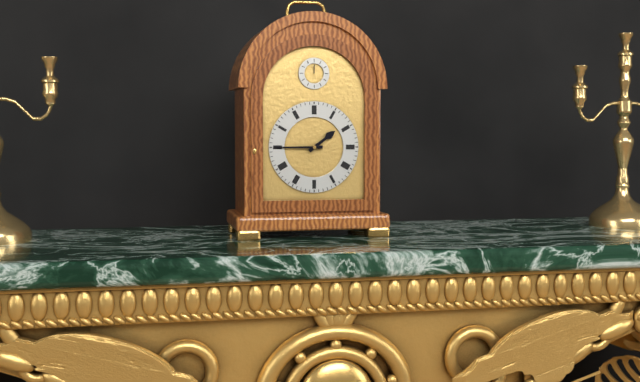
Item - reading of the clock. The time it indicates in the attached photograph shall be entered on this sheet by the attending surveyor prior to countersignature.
1:45
